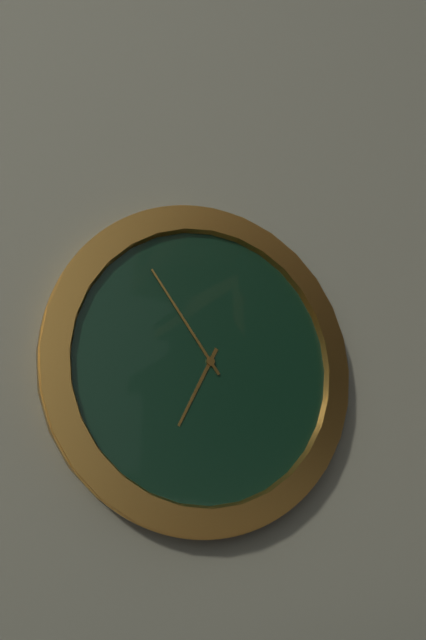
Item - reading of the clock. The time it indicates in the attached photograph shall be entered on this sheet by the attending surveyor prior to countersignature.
6:54
